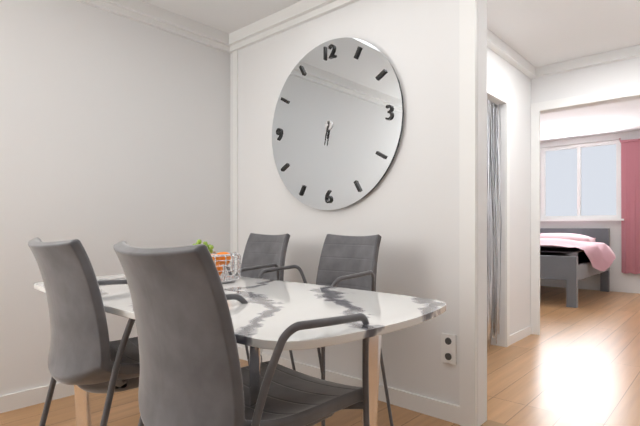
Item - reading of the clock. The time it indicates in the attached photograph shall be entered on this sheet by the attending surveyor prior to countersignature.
6:32
